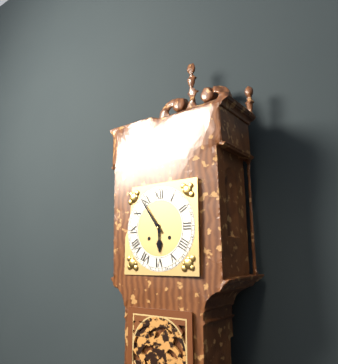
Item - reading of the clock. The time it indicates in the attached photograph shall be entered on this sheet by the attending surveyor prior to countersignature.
5:54
